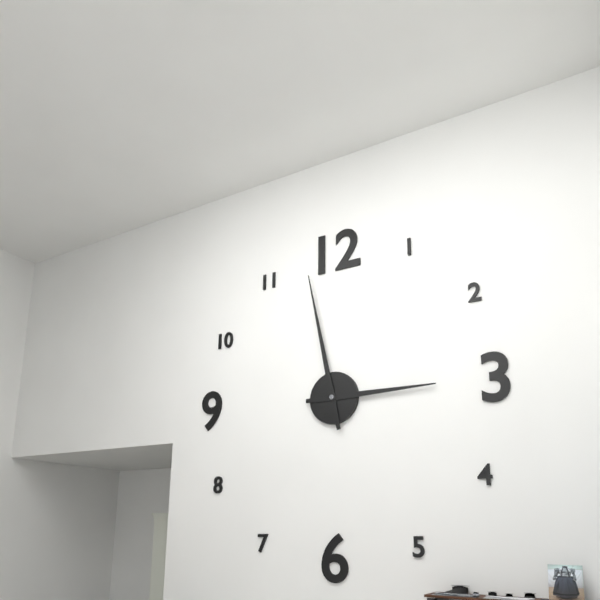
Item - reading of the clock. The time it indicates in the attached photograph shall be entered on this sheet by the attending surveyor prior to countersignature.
2:58
